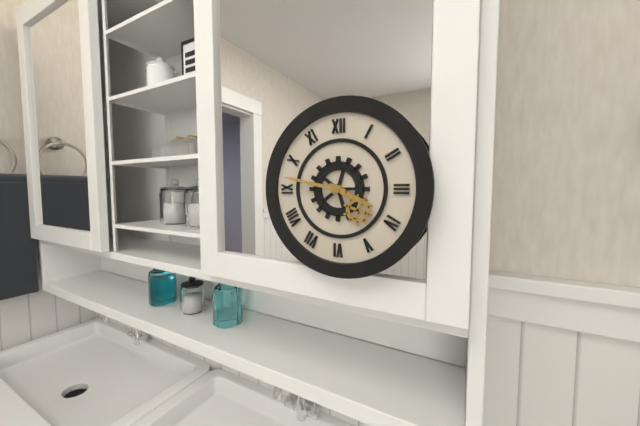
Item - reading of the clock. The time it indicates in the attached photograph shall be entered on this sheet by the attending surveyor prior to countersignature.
3:47
